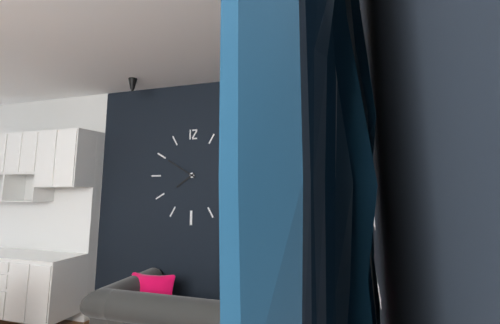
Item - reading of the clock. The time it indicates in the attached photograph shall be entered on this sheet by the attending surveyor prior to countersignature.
7:50
